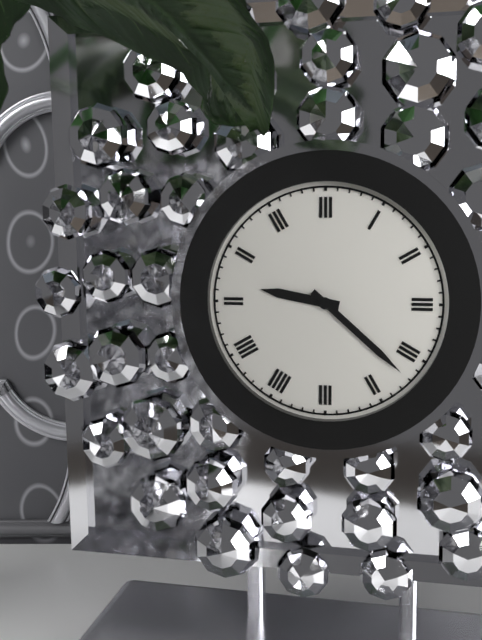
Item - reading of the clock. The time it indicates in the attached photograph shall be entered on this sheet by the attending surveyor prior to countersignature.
9:22
